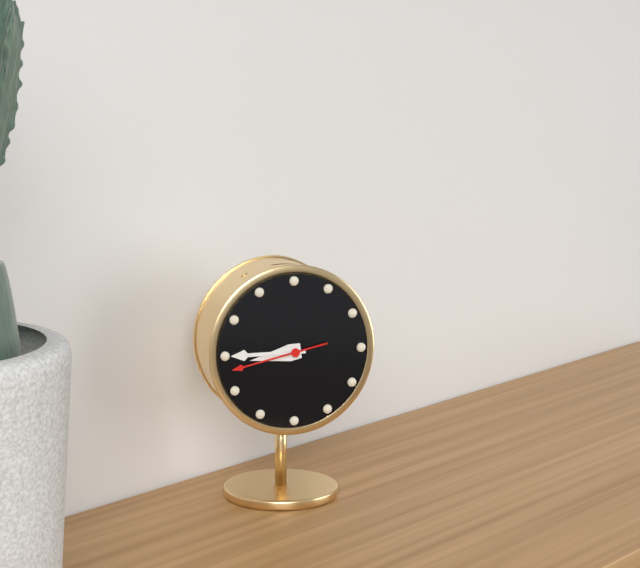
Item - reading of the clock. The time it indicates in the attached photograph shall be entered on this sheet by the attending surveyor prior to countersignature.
8:45:43
